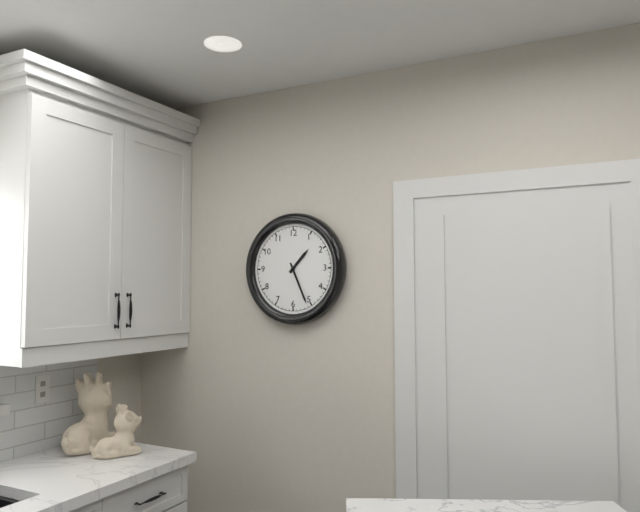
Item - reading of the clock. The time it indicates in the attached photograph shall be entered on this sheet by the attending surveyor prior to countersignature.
1:26
